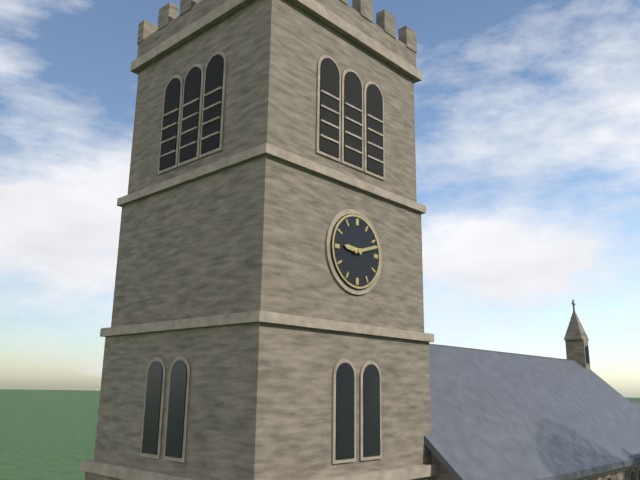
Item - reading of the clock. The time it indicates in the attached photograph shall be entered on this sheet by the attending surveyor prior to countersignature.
9:12
